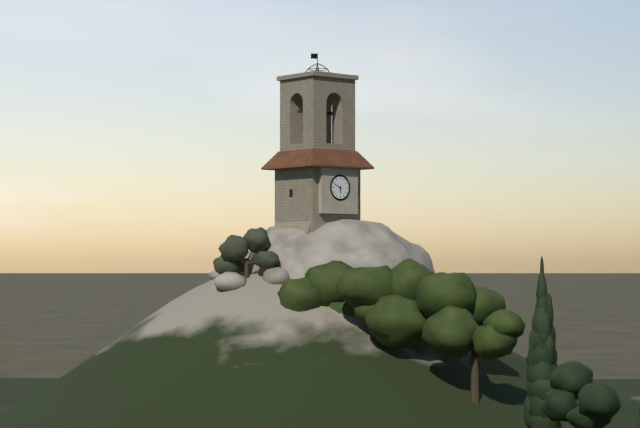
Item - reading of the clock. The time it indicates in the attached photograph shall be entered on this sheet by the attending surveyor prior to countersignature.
5:49
